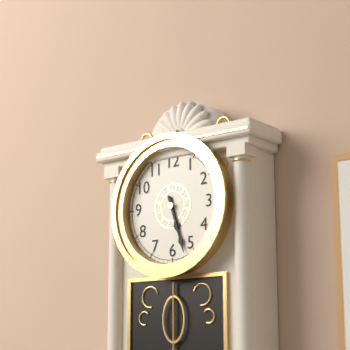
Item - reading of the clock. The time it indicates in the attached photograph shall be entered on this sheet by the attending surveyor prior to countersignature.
5:27
